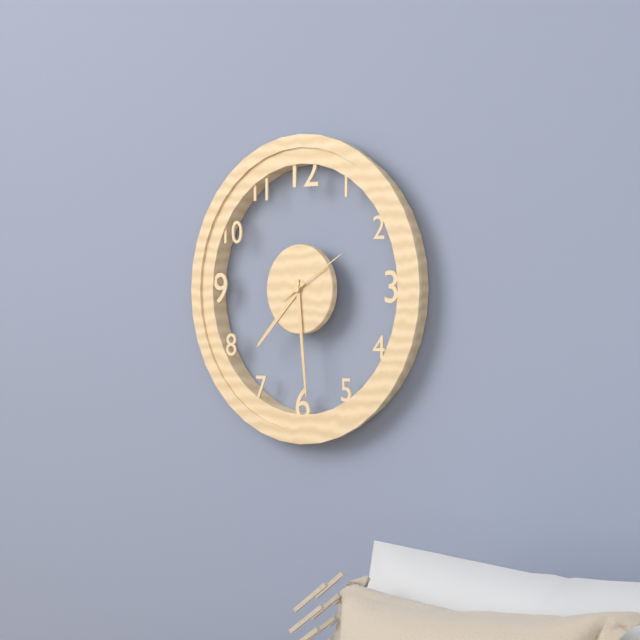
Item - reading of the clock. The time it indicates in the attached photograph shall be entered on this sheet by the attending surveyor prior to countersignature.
7:29:10
